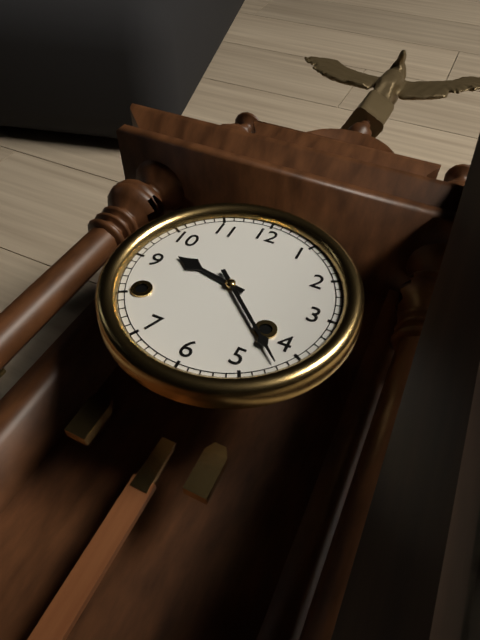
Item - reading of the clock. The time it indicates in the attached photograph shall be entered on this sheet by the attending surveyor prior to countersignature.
9:22
